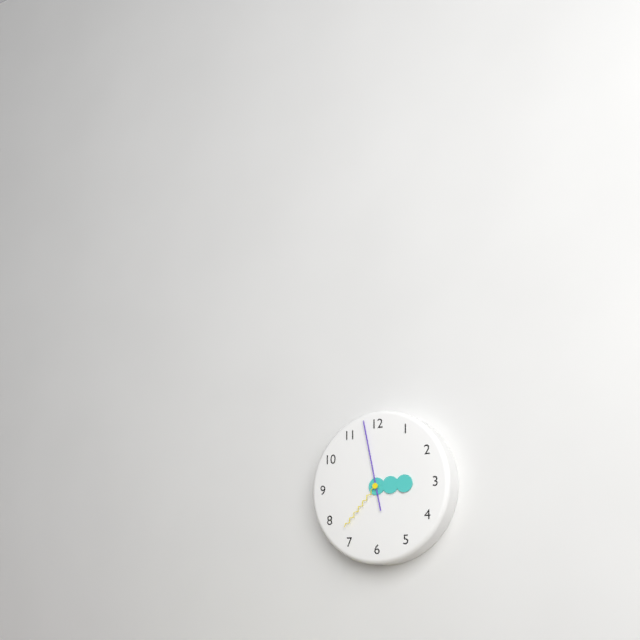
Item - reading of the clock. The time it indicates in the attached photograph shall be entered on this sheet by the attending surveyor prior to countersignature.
2:58:37
